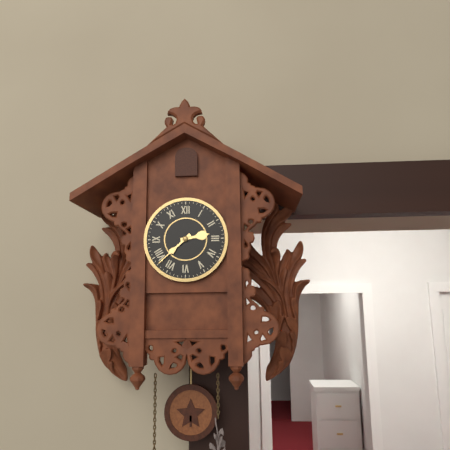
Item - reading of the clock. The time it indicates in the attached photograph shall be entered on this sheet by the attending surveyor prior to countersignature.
2:38
